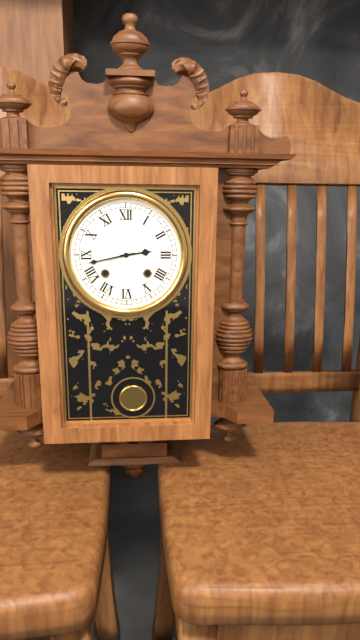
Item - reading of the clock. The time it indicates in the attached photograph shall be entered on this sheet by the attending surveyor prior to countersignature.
2:43
